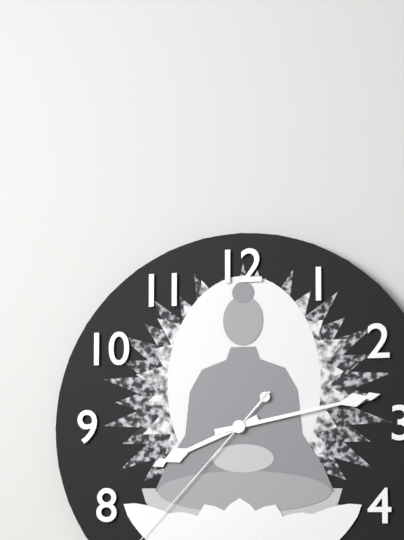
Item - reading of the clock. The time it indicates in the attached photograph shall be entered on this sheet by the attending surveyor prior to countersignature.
8:13
